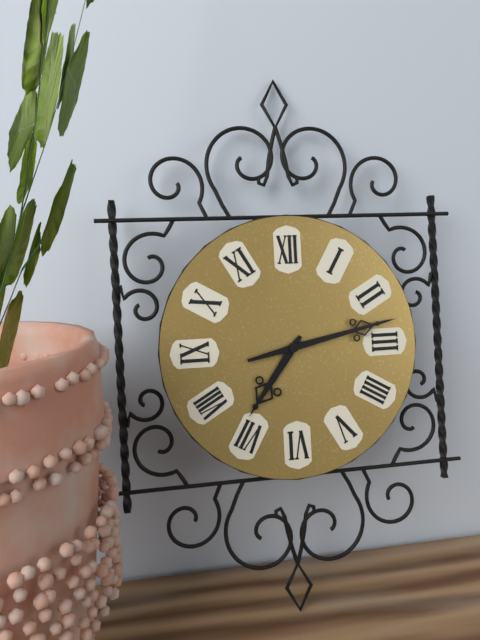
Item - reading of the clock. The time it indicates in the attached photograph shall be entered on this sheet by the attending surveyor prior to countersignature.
7:13
